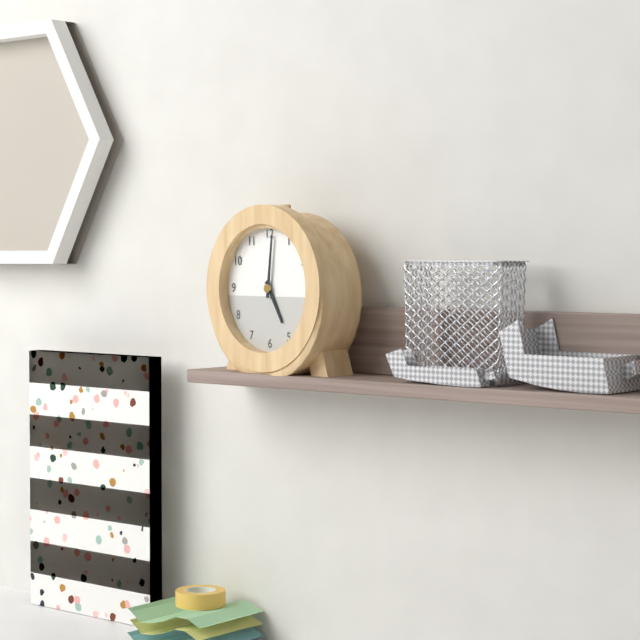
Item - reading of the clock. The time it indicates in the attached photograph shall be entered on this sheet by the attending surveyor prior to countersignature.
5:01
